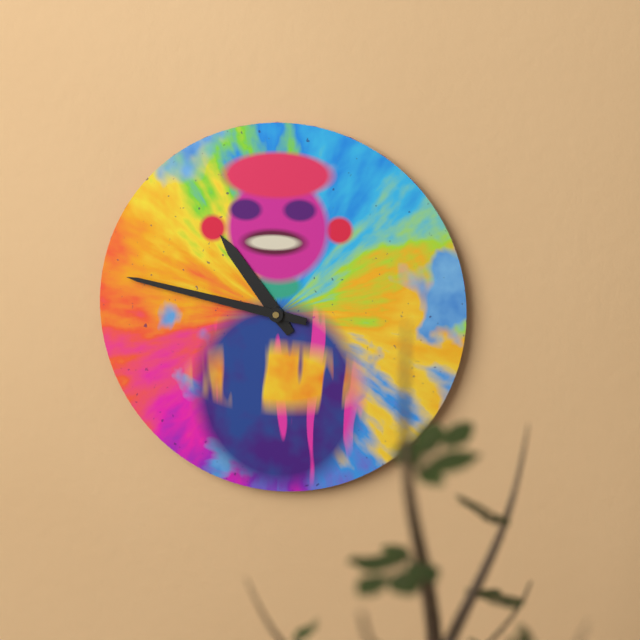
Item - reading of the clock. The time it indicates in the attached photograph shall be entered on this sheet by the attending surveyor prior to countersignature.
10:47
